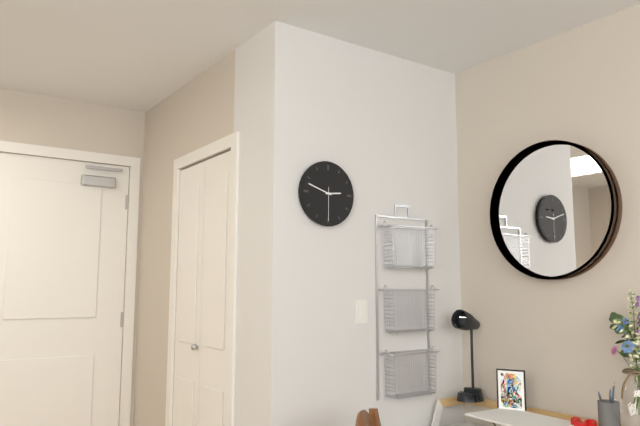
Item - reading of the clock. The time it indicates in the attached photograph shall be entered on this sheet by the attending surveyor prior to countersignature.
2:48
